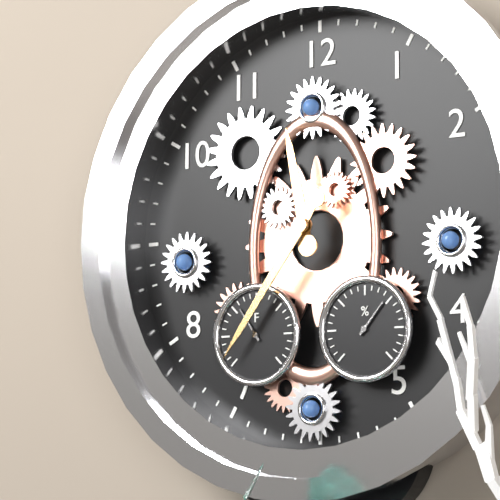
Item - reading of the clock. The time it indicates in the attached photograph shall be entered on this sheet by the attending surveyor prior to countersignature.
11:36
